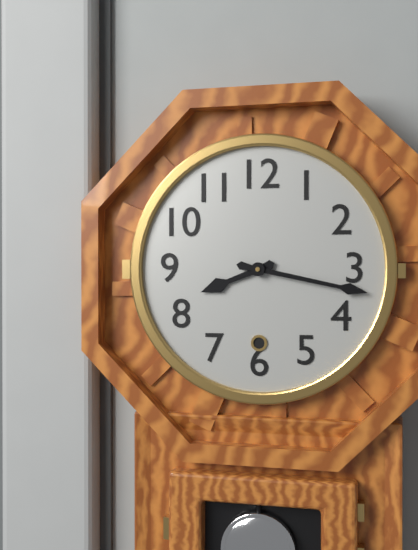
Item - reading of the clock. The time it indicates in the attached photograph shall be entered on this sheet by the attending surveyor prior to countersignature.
8:17
